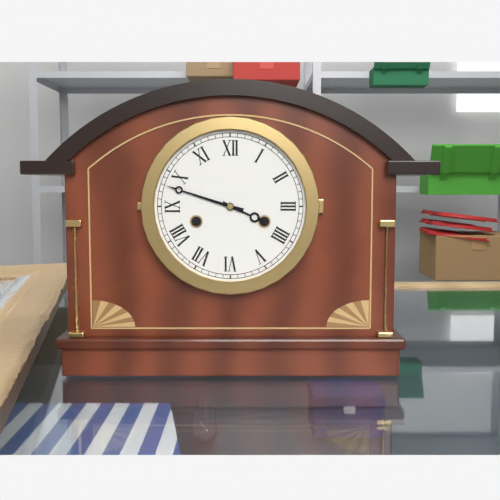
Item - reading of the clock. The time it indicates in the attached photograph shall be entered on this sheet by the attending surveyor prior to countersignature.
3:48
